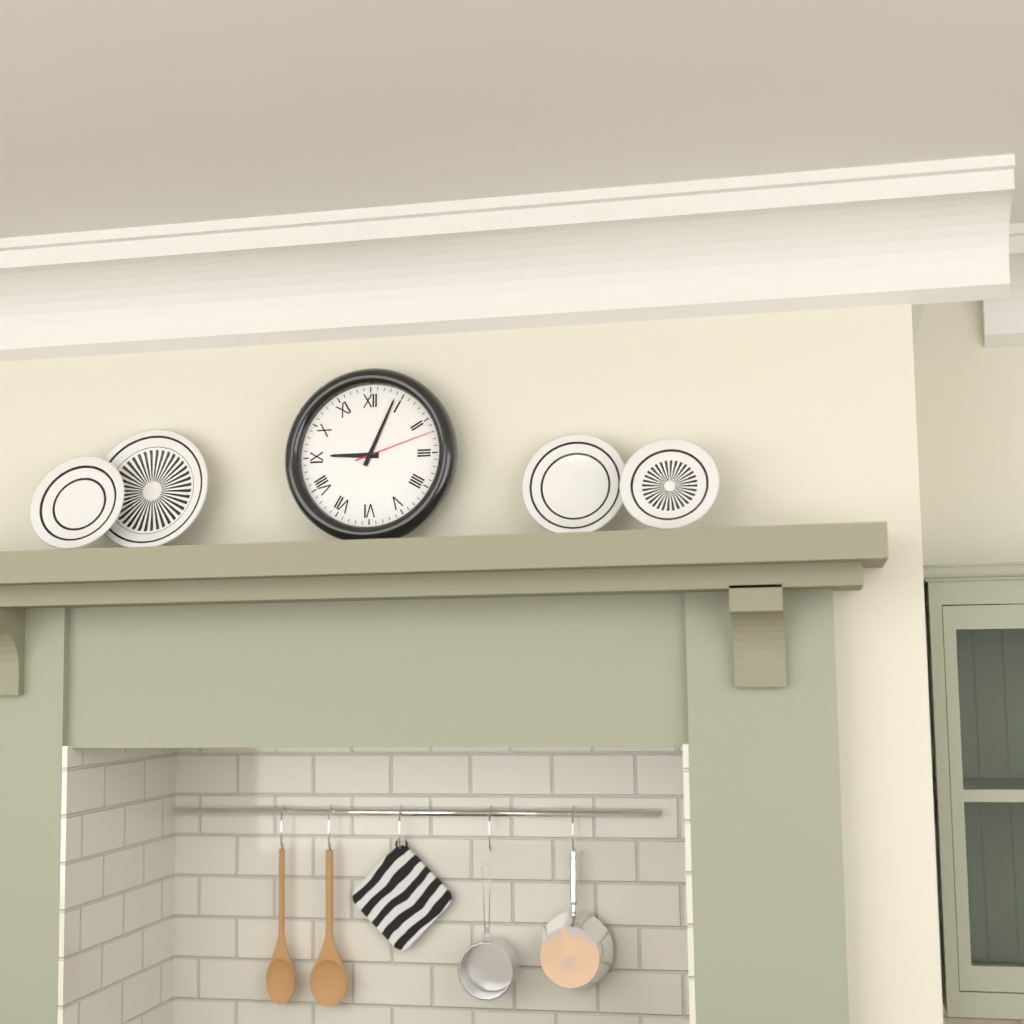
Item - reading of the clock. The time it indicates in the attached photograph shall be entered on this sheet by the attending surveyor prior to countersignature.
9:04:12
